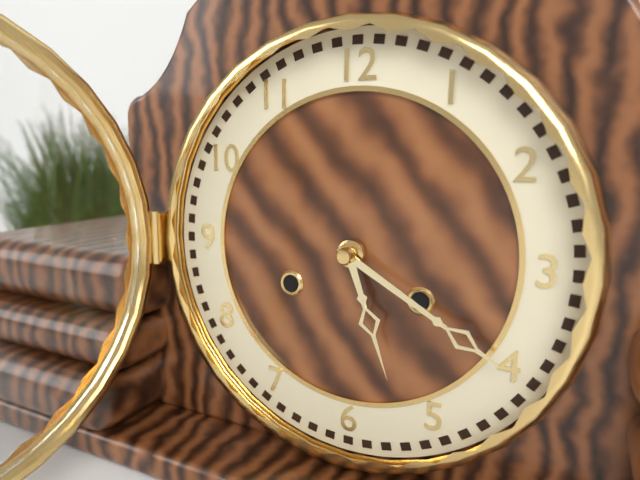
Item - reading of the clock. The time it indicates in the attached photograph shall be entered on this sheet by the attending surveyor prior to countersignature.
5:20
